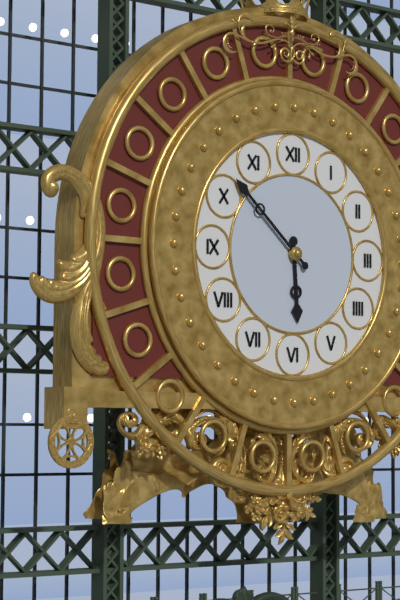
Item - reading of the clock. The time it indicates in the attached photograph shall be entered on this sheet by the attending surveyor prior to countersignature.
5:52
